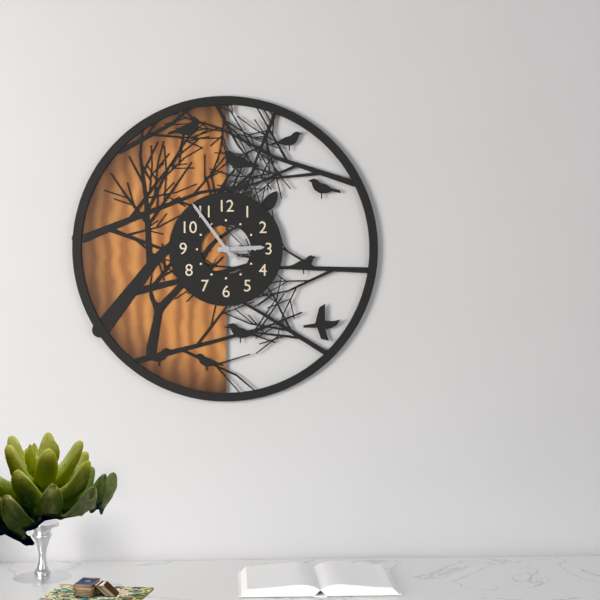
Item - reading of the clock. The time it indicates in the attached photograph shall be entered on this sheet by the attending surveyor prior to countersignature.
2:54
